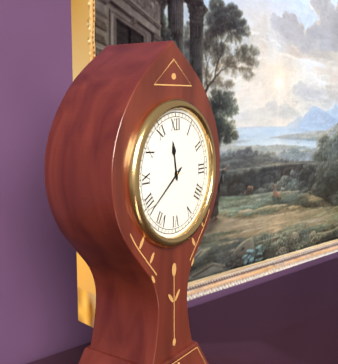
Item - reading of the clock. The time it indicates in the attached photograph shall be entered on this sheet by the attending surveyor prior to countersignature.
11:39
